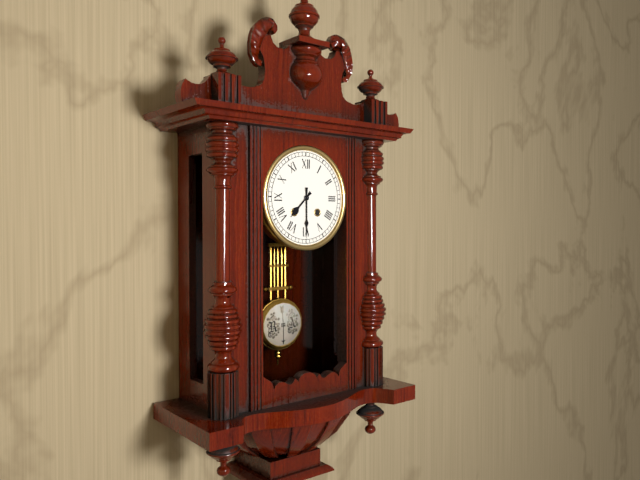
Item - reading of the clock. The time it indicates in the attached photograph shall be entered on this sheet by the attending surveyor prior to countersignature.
7:30
